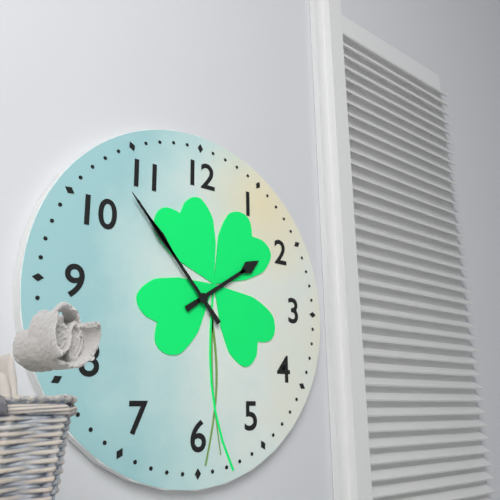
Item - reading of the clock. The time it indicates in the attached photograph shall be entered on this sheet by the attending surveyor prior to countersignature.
1:53
